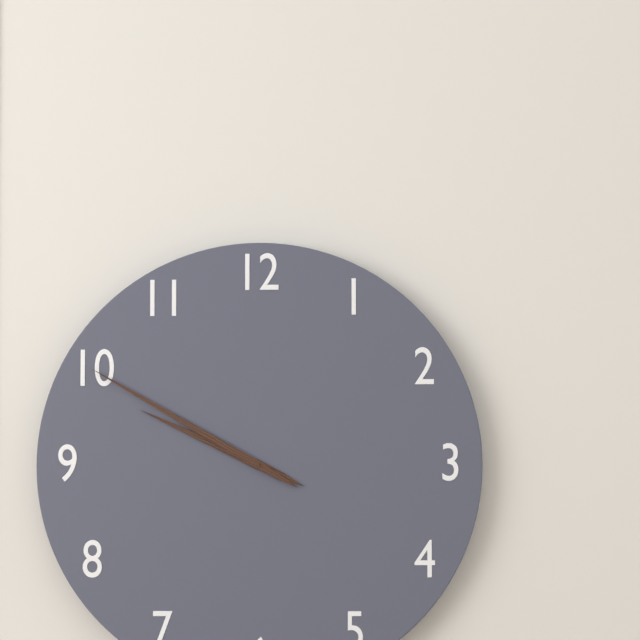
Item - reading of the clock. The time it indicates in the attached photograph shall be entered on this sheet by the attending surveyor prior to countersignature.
9:50
